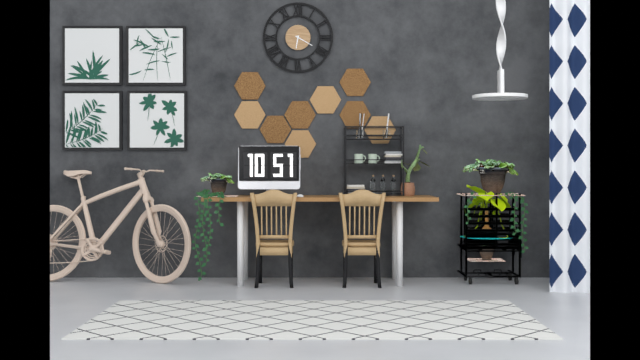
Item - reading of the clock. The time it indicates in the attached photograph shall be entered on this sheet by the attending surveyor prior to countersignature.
6:20
